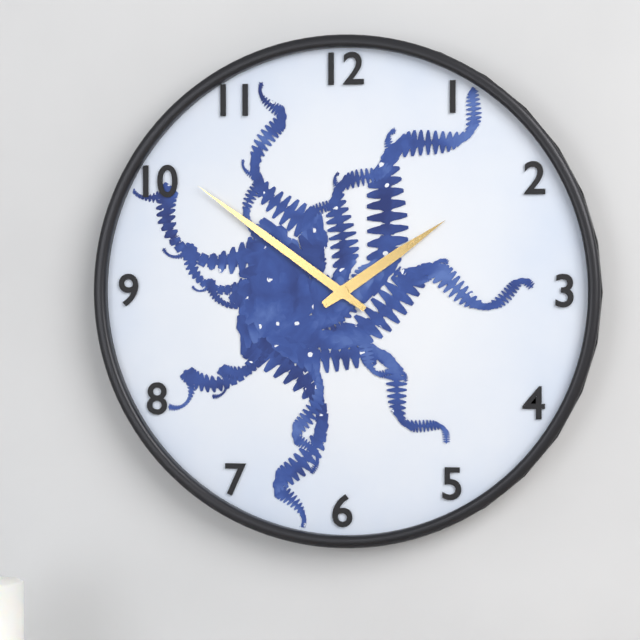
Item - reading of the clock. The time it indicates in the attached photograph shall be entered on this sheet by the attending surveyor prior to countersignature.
1:51
